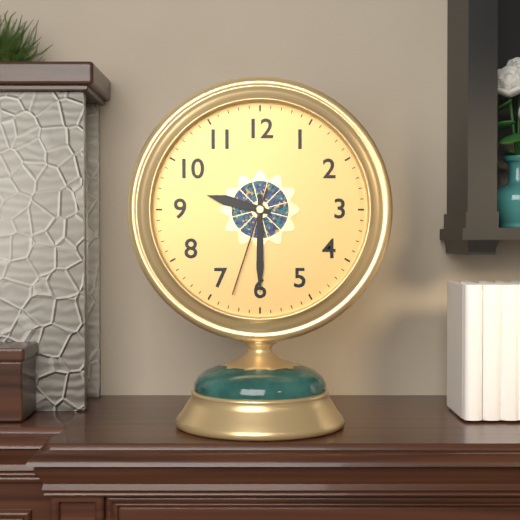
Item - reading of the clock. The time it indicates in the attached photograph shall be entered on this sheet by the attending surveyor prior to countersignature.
9:30:33
